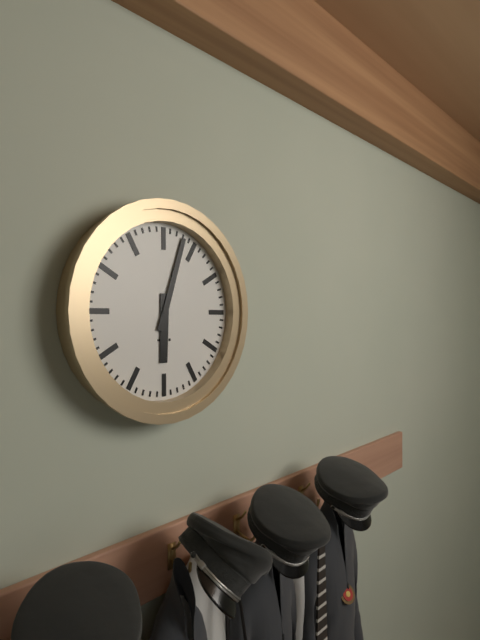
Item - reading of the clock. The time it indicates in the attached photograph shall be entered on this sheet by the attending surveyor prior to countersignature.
6:03
